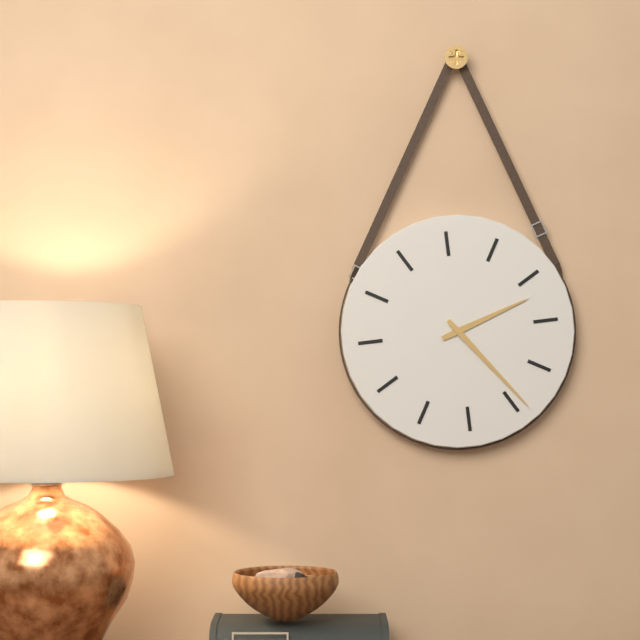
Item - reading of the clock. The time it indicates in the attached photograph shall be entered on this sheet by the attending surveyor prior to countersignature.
2:24
